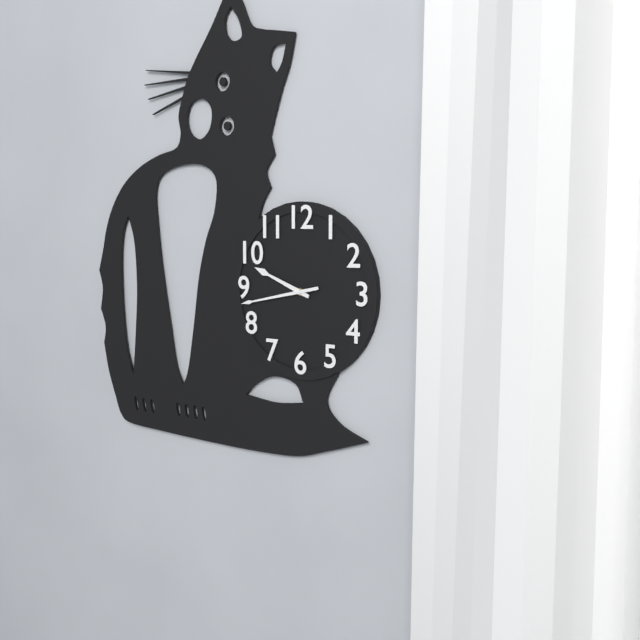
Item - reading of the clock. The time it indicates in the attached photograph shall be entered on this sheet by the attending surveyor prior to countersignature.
9:43
